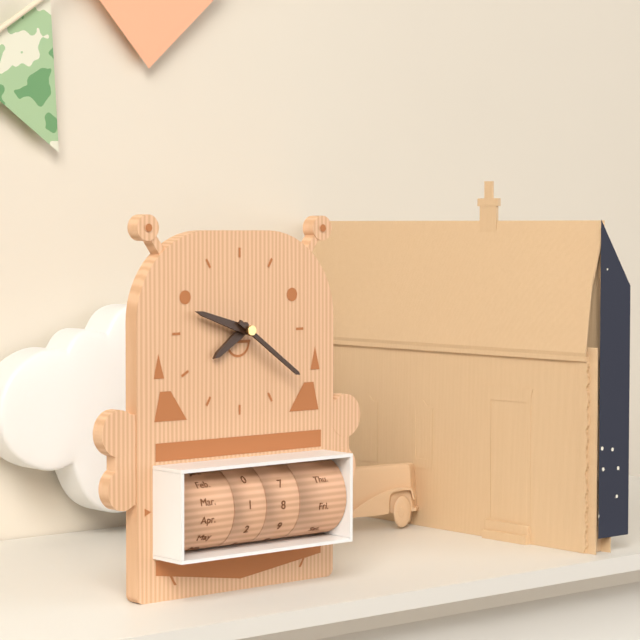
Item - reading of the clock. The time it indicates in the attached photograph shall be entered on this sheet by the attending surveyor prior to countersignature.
7:48:21
